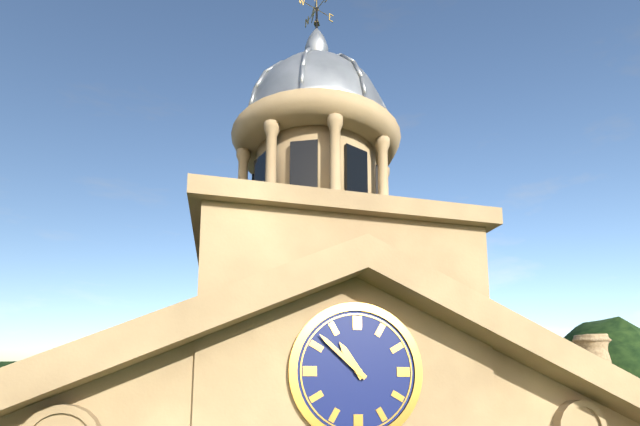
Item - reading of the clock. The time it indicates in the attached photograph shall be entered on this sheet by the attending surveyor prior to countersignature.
10:52
